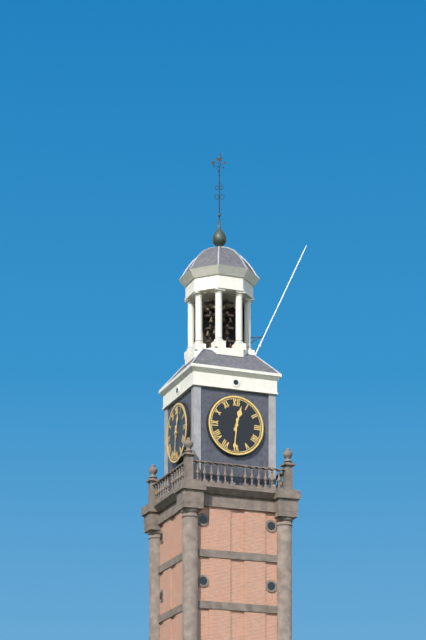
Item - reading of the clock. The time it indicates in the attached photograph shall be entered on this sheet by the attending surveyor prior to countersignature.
12:31
